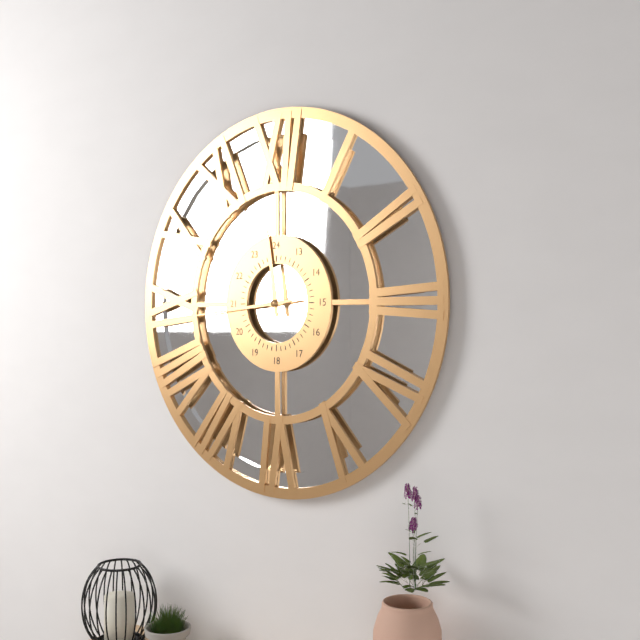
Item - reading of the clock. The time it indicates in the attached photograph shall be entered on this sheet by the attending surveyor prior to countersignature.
11:44
